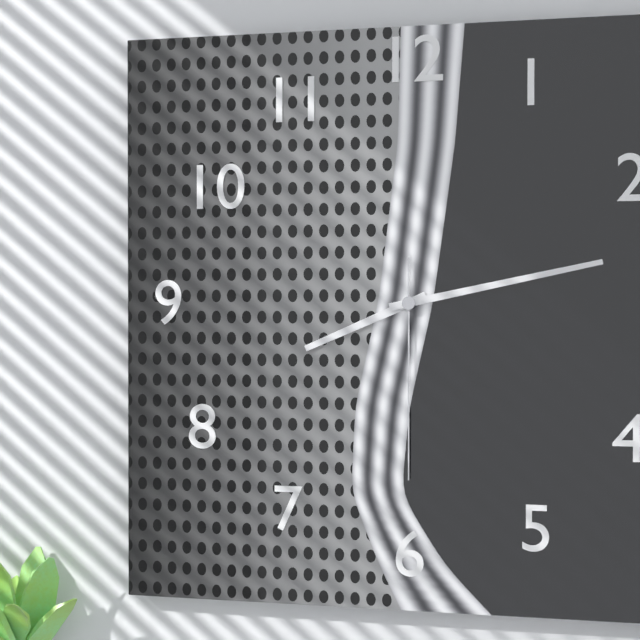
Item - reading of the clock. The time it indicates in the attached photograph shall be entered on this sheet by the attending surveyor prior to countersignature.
8:13:30
